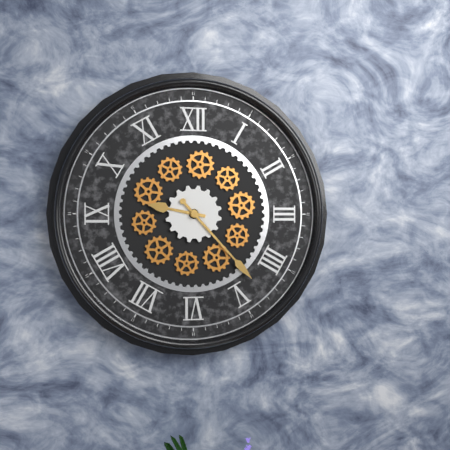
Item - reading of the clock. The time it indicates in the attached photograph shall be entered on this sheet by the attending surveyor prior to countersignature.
9:23
